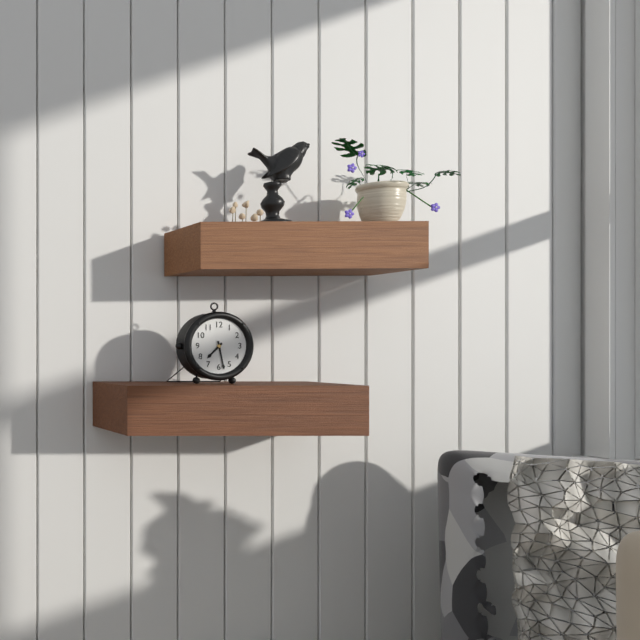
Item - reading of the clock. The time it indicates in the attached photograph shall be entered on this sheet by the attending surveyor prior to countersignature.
7:28
